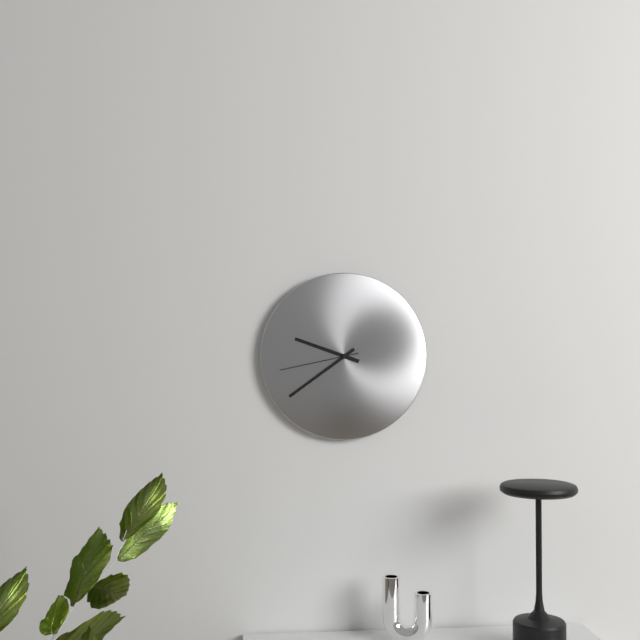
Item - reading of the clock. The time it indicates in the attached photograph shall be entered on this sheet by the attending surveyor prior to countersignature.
9:39:43
